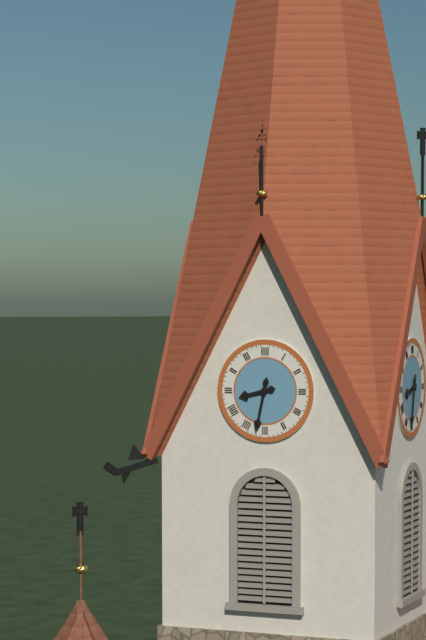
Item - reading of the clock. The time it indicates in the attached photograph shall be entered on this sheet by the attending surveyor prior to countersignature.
8:32
